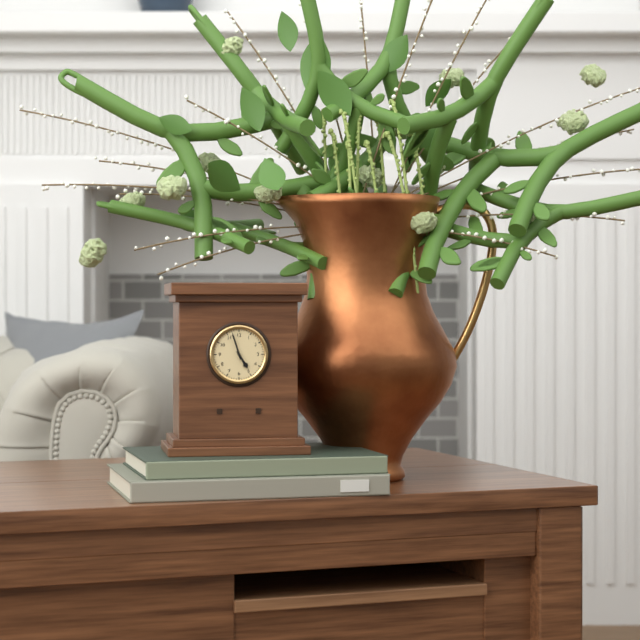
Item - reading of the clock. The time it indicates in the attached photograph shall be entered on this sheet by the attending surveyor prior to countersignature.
4:57
